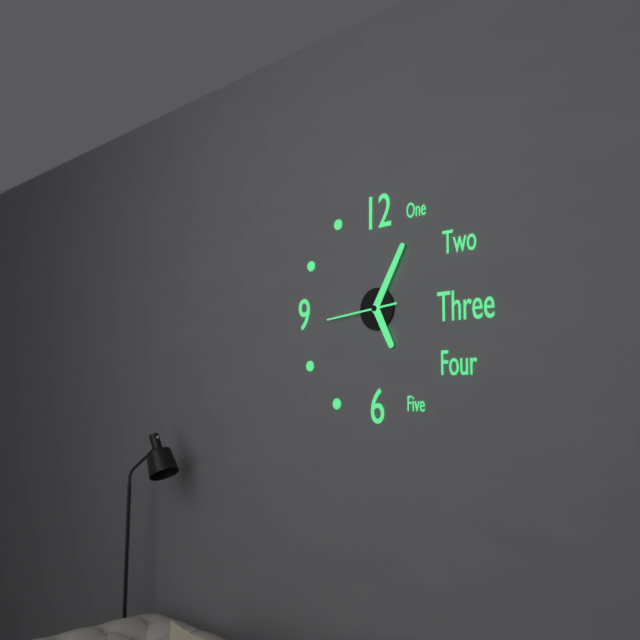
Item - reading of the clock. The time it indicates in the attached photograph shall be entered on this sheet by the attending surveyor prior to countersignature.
5:05:44
